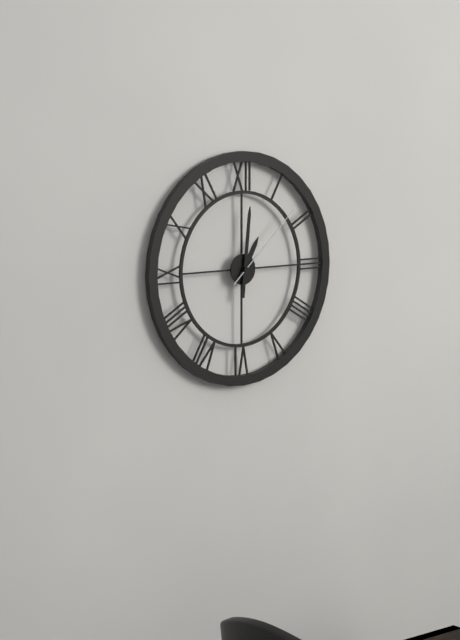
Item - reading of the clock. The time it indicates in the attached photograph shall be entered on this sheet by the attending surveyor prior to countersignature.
1:01:08
